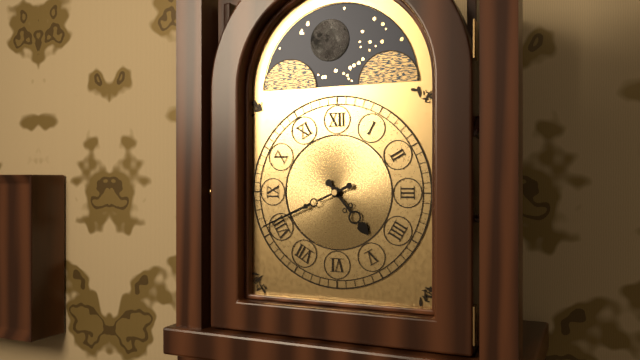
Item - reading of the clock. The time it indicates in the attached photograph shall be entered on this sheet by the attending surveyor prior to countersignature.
4:41
